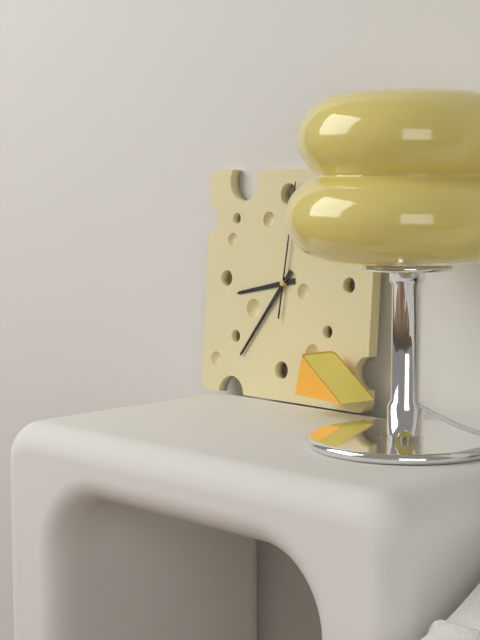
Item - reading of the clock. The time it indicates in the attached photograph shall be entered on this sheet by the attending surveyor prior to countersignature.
8:36
